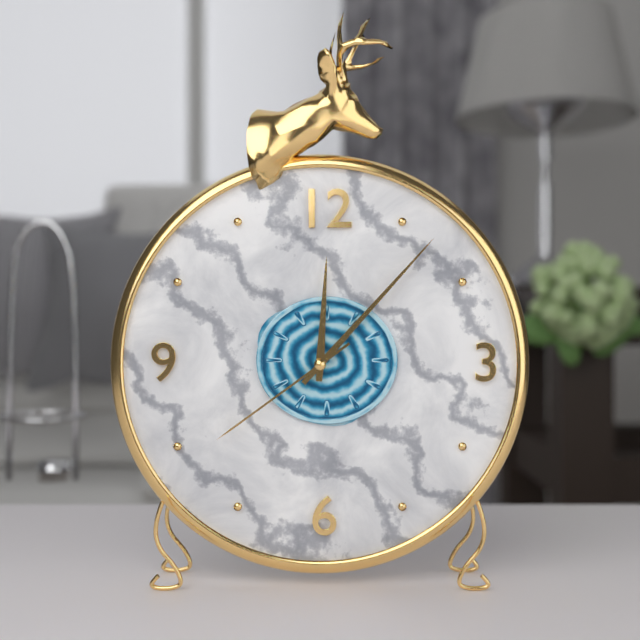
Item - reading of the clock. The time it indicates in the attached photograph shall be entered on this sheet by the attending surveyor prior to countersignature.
12:07:39
